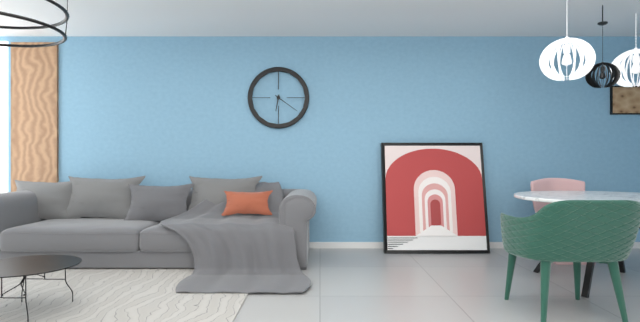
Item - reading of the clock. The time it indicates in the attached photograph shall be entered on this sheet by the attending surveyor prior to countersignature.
6:21
